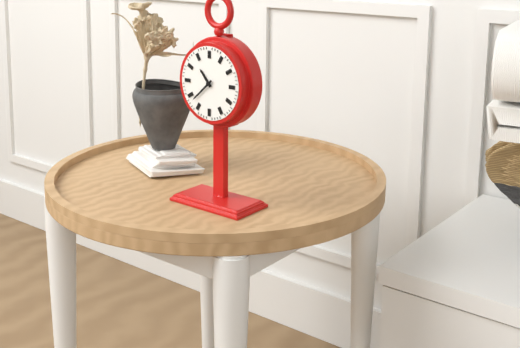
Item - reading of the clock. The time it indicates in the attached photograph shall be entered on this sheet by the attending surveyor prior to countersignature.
10:38
